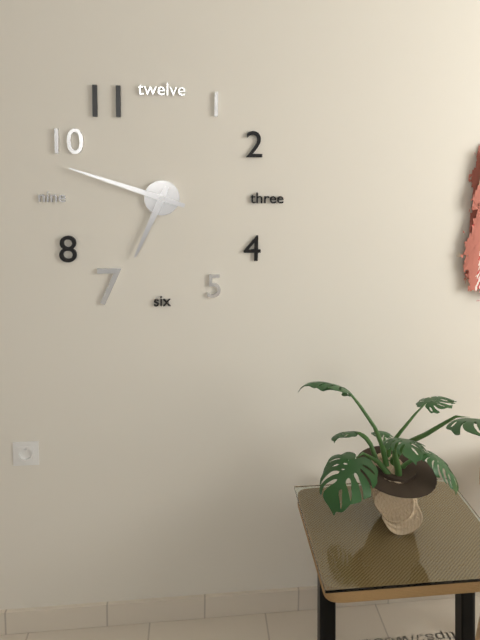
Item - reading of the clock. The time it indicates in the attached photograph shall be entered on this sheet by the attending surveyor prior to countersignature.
6:48
